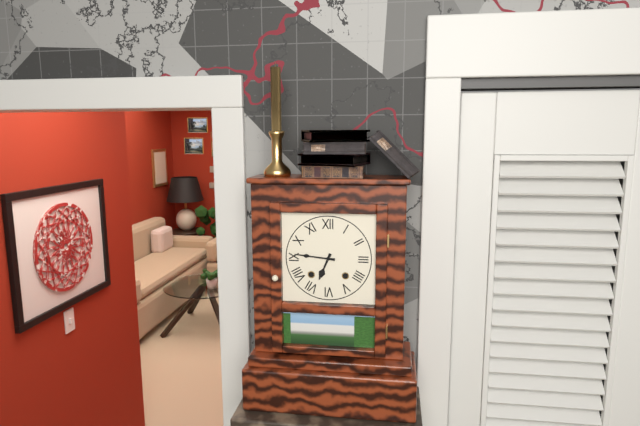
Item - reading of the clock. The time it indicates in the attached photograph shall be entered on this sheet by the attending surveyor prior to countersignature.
6:46
